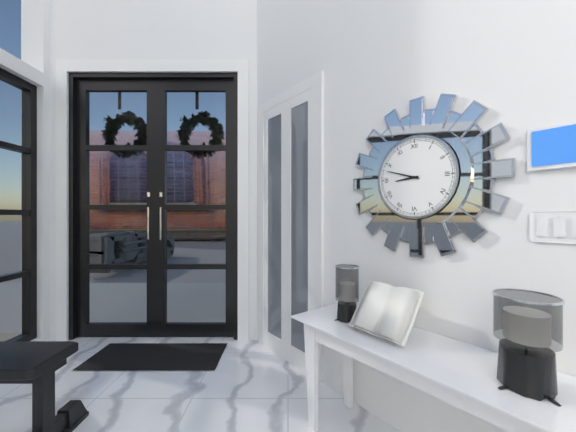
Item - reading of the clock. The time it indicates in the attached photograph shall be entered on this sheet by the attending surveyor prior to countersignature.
8:48
